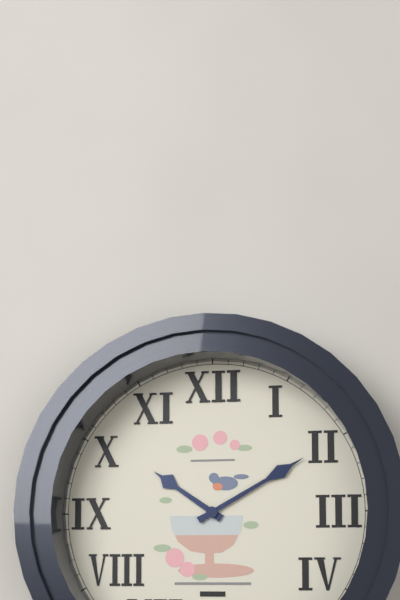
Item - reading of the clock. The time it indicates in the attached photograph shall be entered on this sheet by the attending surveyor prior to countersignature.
10:10
